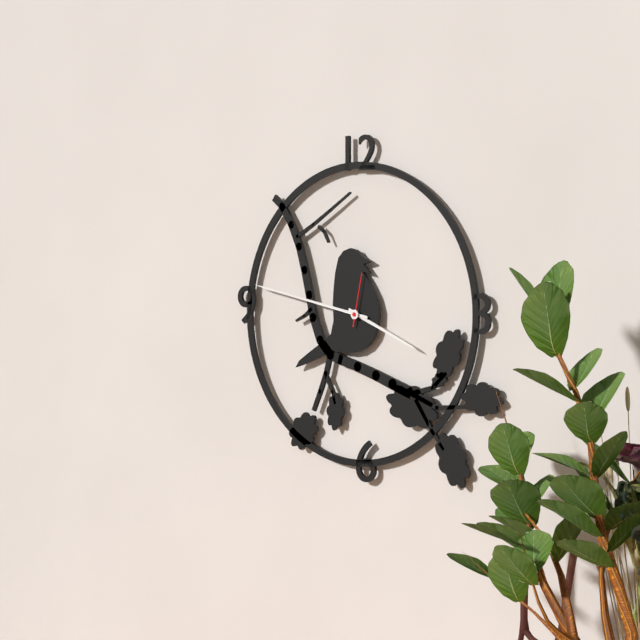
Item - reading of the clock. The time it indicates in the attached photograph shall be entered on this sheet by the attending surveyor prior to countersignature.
3:47:02
